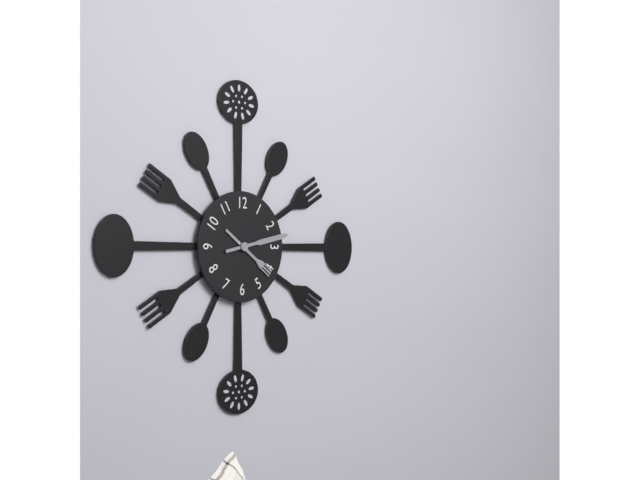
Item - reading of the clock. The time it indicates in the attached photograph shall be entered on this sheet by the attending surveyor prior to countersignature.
4:13
